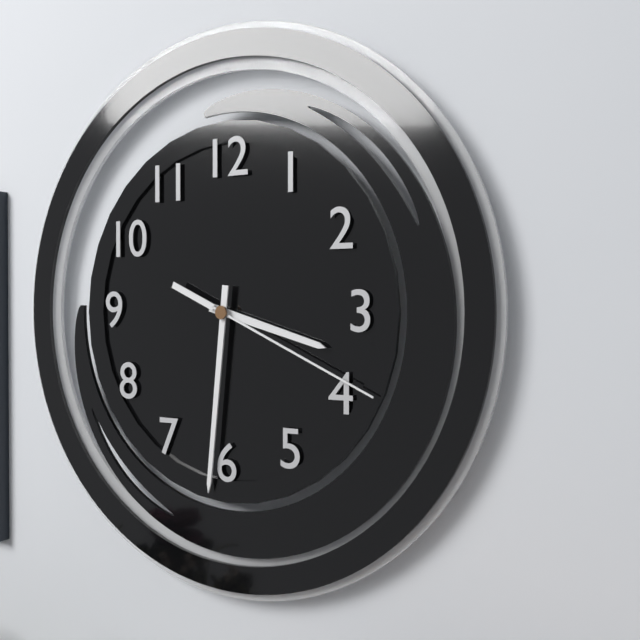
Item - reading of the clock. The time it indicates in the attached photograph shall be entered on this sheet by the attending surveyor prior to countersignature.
3:31:19
